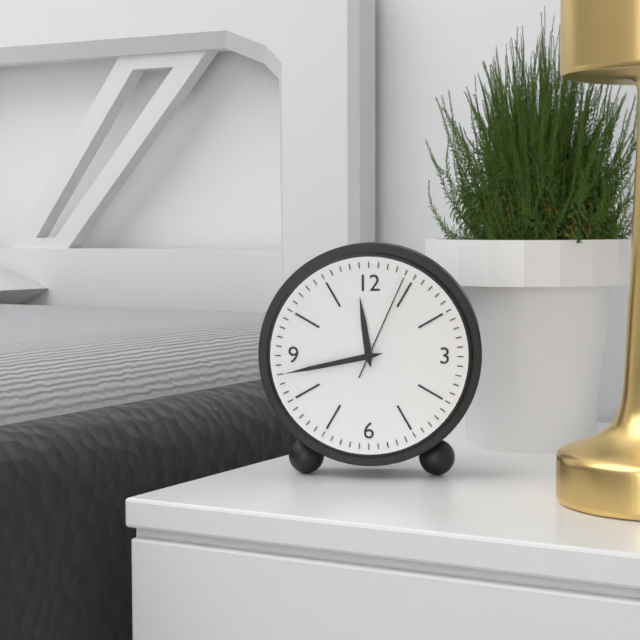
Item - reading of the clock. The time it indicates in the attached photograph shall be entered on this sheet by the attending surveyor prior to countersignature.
11:43:04
